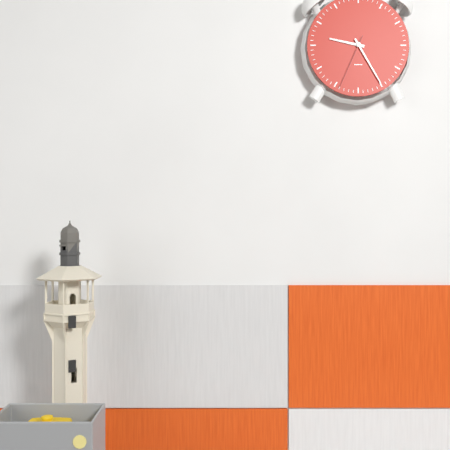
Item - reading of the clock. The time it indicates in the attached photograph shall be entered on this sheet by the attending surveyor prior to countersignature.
9:25:34
